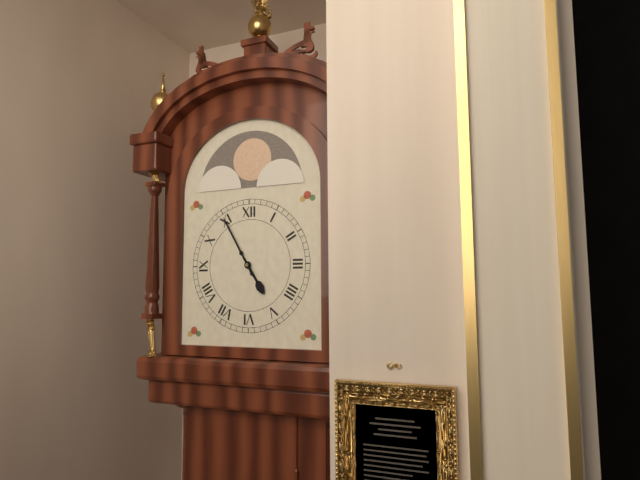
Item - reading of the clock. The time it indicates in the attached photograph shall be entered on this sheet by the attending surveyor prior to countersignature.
4:55
